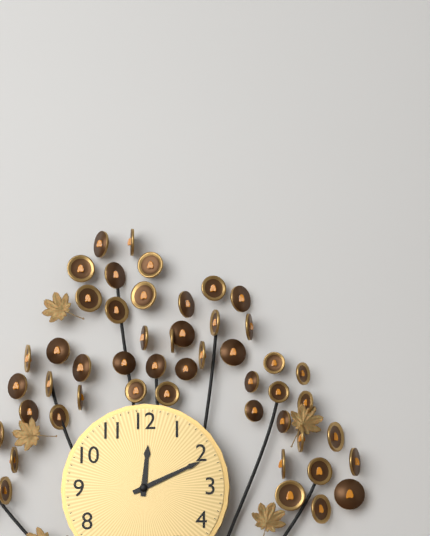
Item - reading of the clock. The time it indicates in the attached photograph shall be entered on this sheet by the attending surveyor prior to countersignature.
12:11
